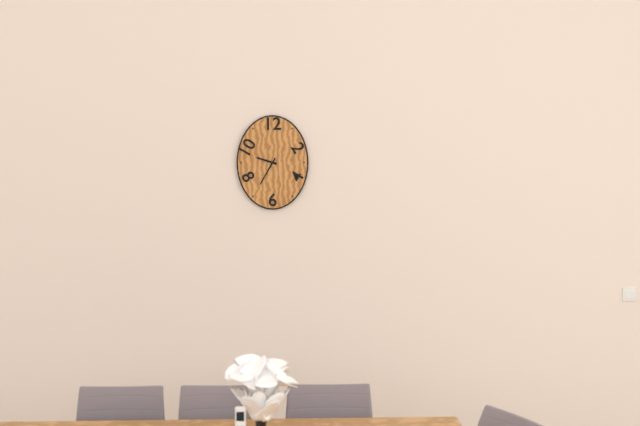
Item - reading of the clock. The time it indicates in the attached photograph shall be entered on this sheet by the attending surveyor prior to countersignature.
9:35
